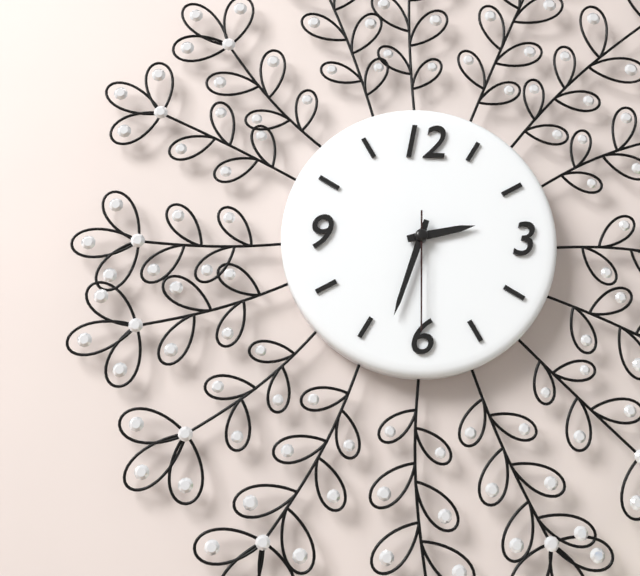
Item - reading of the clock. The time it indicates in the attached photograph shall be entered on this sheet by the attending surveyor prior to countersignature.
2:33:30
